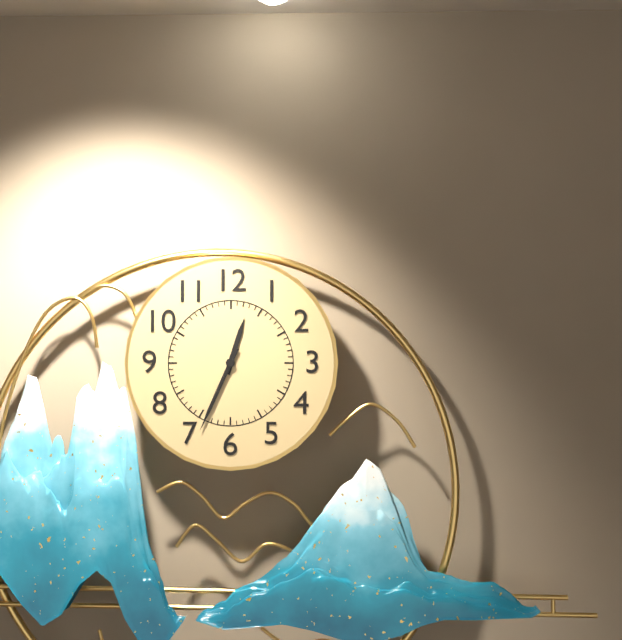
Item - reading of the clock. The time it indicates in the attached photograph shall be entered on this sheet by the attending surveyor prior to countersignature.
12:34
